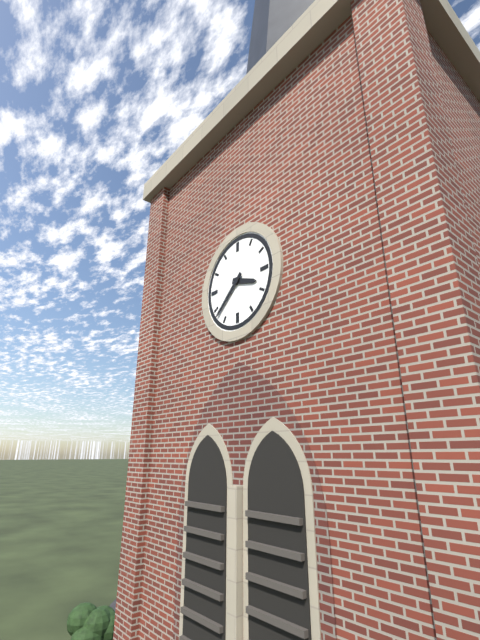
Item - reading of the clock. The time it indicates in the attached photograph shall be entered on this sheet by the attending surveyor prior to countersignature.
3:38
